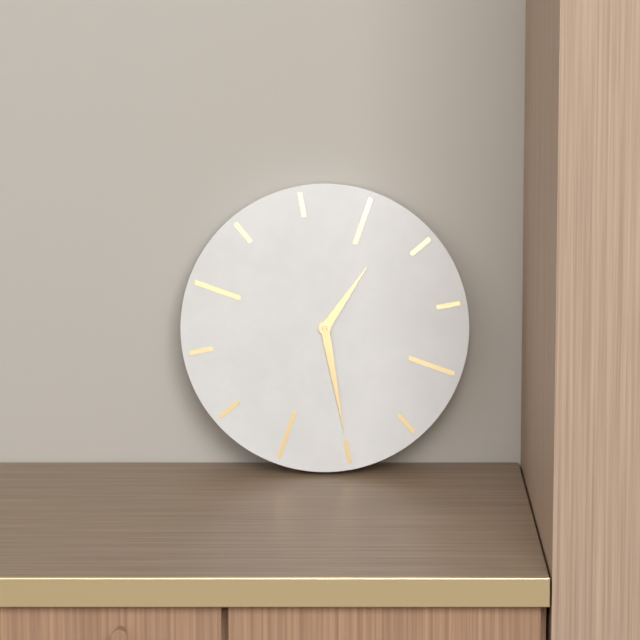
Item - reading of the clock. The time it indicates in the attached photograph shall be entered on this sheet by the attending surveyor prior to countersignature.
1:30
